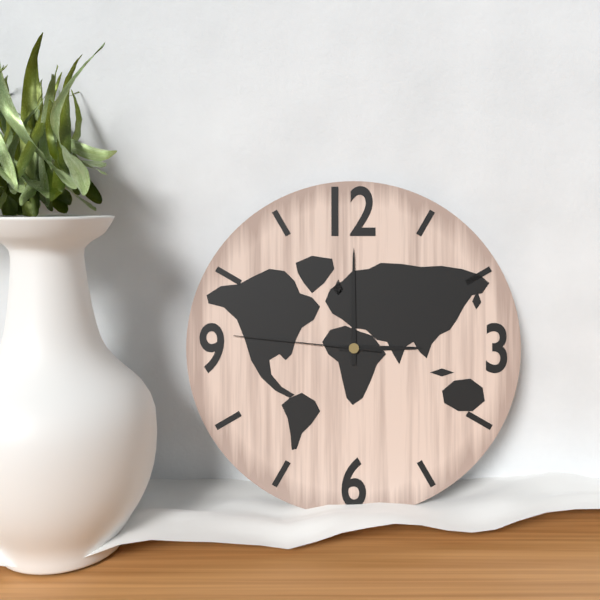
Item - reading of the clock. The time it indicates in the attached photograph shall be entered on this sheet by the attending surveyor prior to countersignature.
3:00:46
